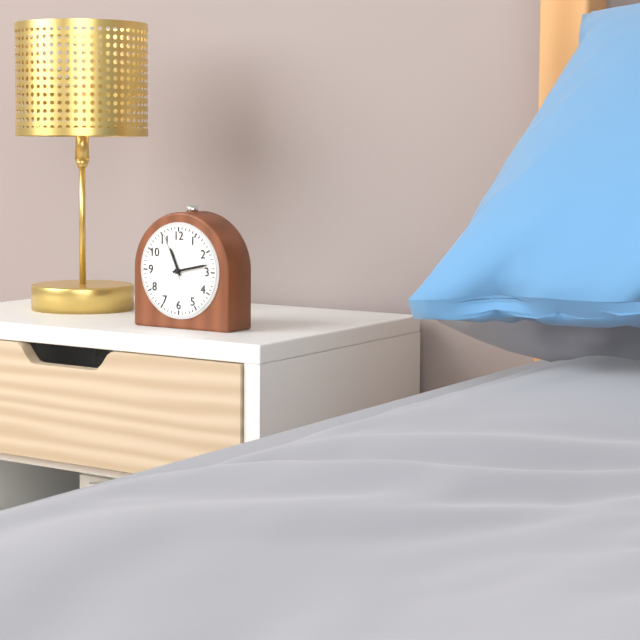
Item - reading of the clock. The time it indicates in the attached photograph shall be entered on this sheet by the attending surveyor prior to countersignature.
11:13:56
